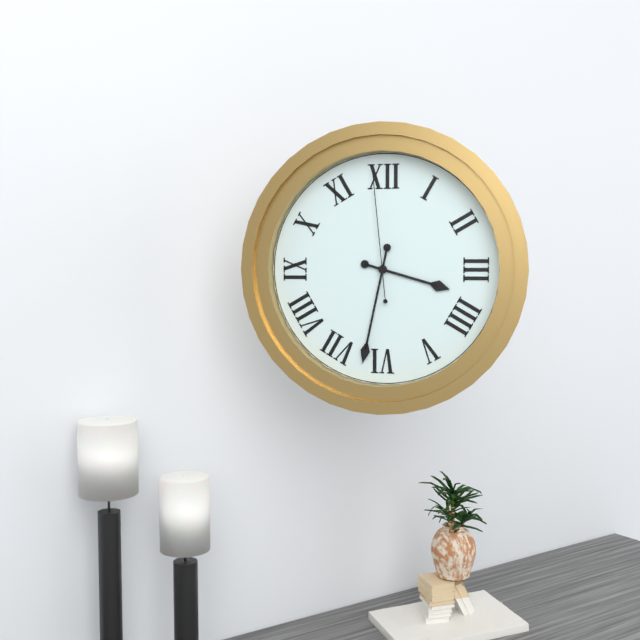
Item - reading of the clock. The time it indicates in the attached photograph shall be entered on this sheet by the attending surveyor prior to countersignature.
3:32:59
